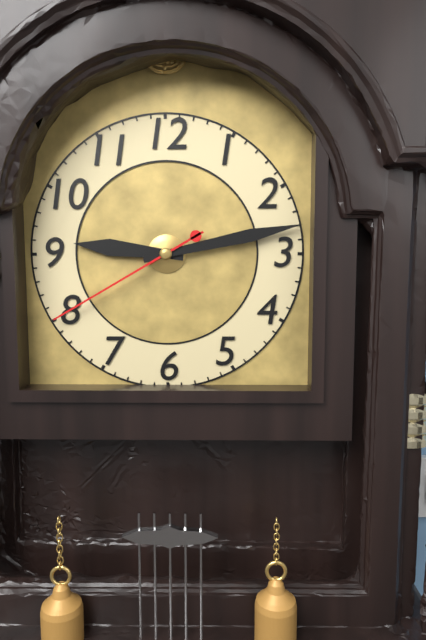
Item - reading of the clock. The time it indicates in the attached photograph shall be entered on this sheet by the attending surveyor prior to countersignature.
9:13:40
